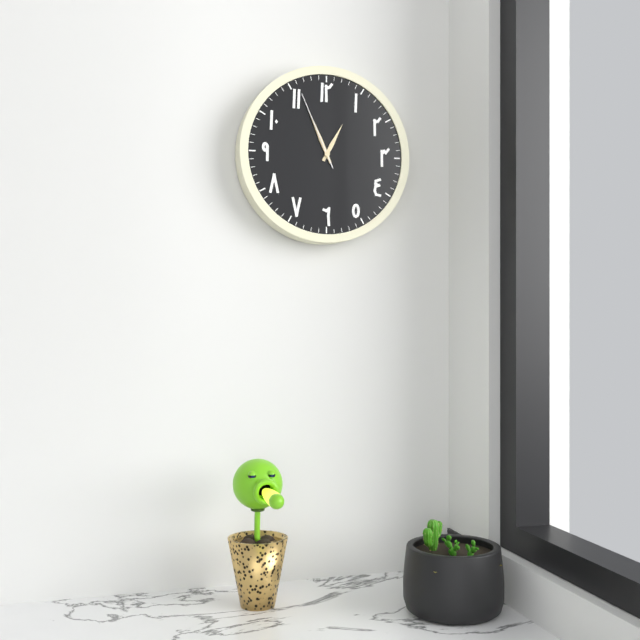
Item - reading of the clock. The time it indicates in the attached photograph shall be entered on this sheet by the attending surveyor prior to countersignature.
12:56:56
